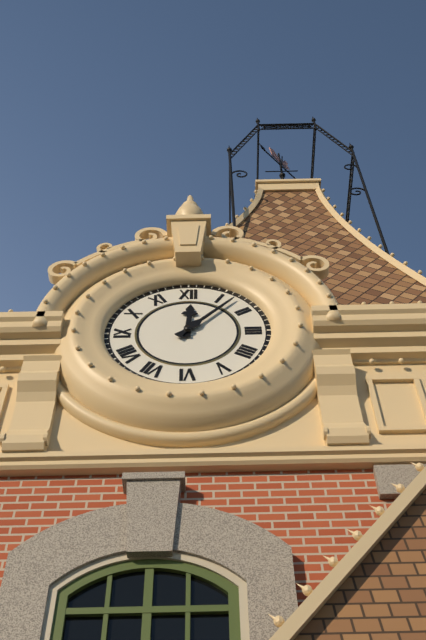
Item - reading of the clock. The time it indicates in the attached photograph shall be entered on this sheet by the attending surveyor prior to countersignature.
12:07
